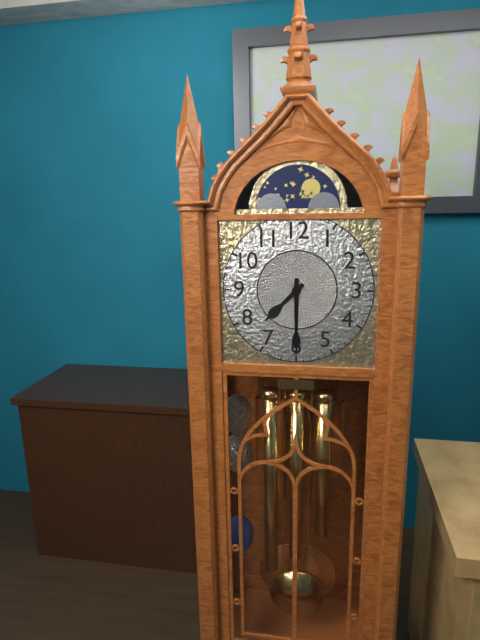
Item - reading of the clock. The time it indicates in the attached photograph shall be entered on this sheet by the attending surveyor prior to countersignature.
7:30
